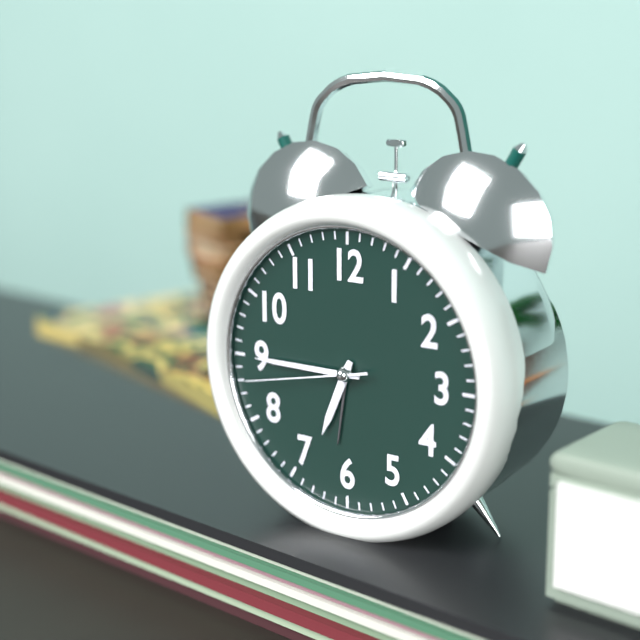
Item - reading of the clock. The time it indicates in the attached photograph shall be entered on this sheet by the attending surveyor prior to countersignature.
6:45:43
